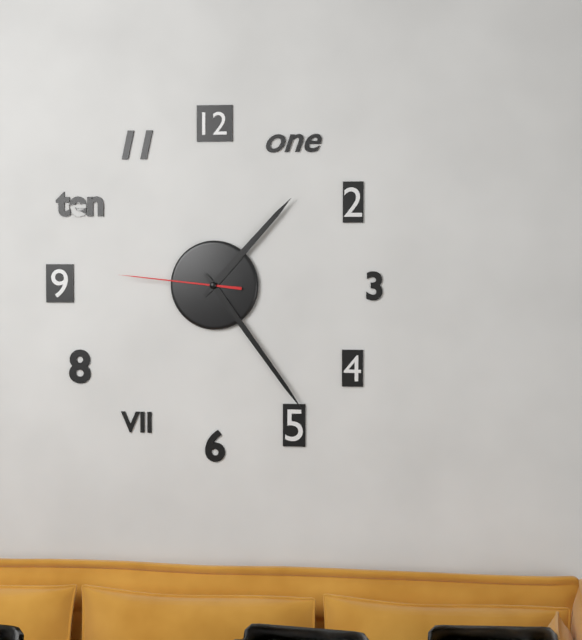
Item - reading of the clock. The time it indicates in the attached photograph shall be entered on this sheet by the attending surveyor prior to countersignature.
1:24:46
